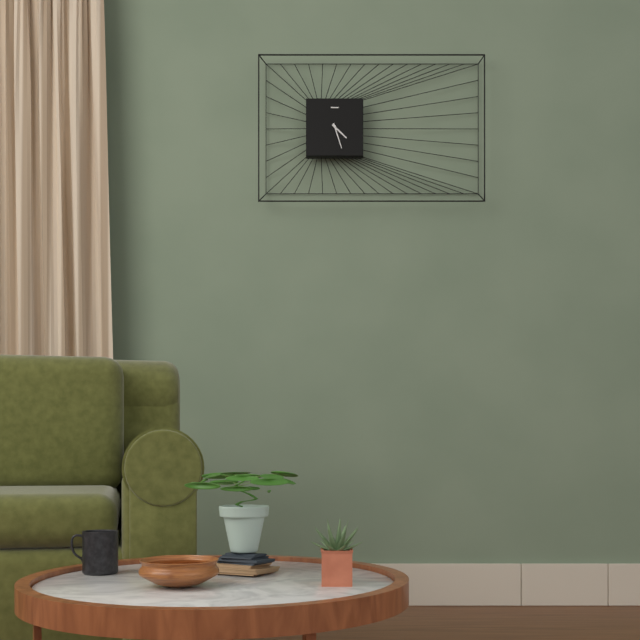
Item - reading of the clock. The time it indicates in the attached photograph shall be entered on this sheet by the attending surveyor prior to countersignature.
4:27
